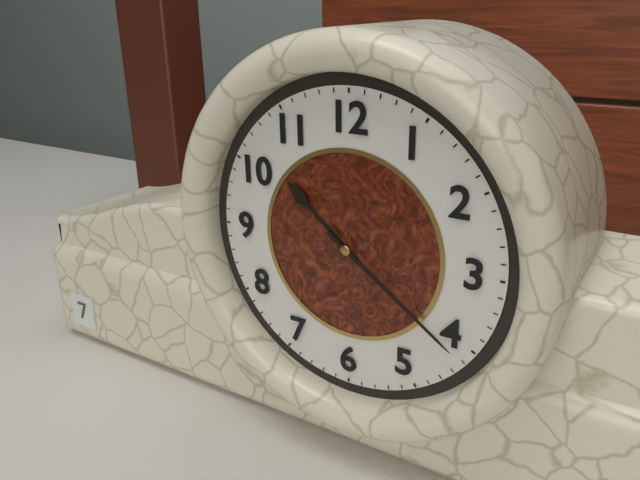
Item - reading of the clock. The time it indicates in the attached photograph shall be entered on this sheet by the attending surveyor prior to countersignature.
10:21
